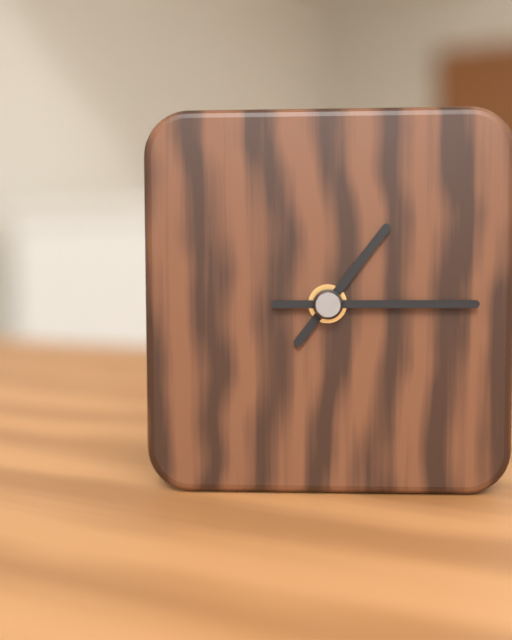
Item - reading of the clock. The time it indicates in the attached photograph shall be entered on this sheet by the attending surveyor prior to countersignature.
1:15
